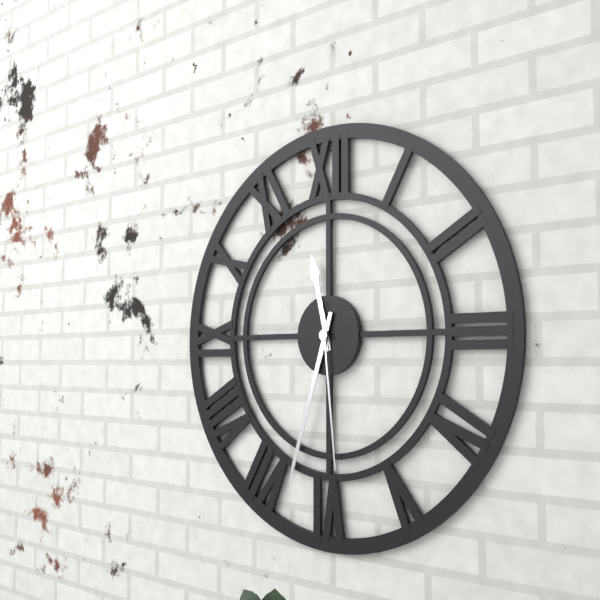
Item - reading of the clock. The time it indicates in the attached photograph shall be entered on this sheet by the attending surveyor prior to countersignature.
11:33:29
